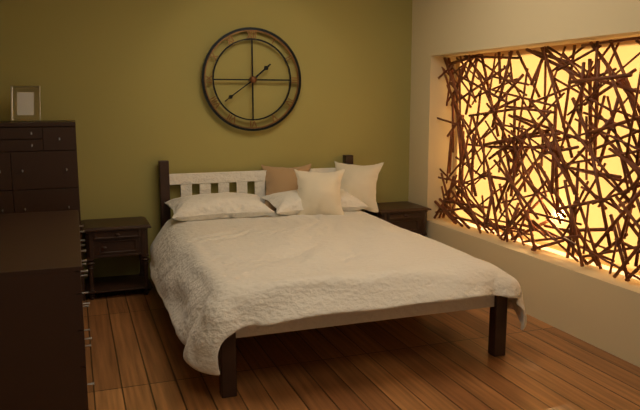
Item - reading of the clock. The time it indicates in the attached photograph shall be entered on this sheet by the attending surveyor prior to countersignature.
1:39
